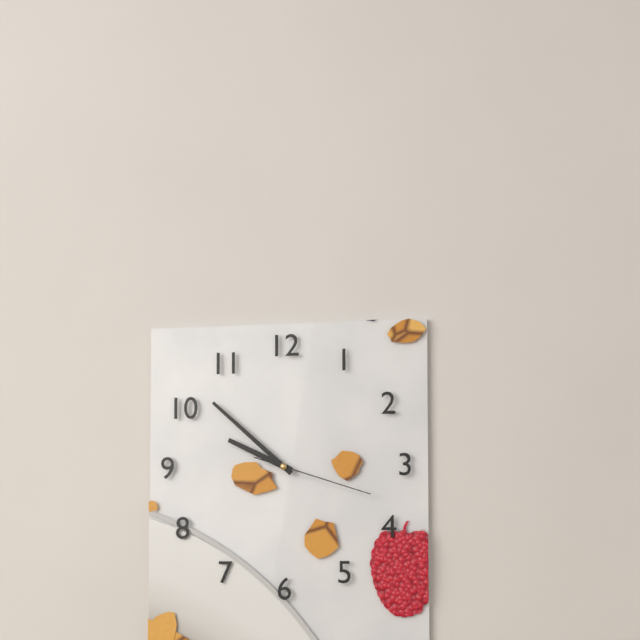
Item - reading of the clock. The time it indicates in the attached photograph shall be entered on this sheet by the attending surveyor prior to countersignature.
9:52:18
